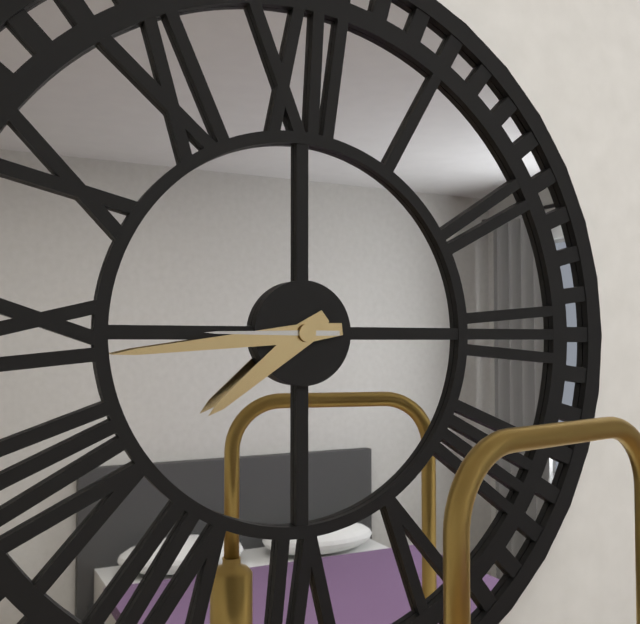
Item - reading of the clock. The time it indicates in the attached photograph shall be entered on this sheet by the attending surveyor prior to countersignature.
7:44:45
